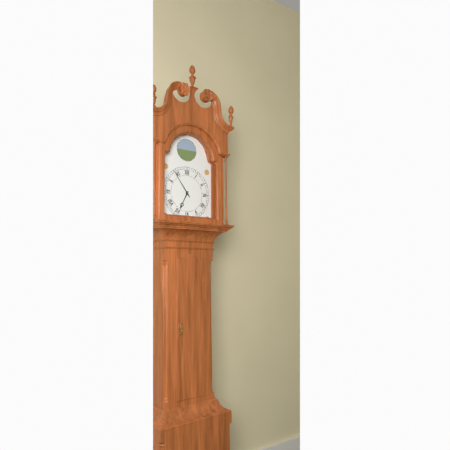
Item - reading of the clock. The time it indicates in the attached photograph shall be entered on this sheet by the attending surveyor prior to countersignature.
6:54
